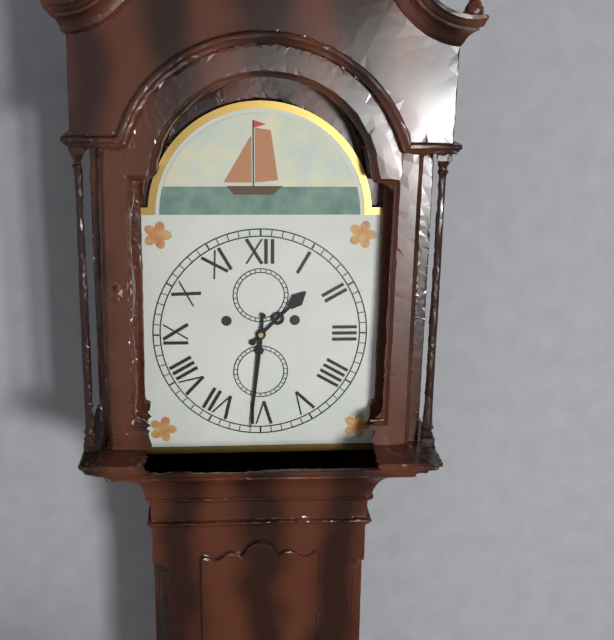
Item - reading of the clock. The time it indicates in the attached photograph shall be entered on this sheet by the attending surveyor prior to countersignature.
1:31
